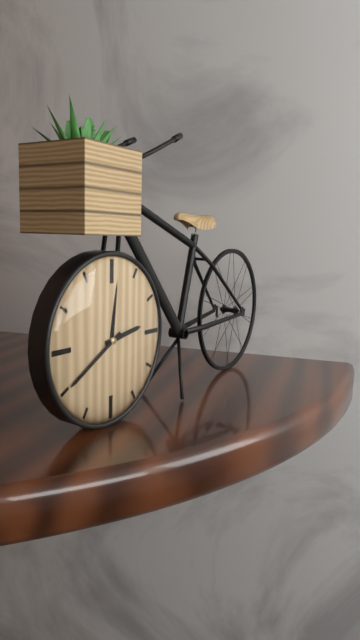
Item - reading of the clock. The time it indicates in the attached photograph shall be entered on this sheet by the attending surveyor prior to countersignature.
2:40
